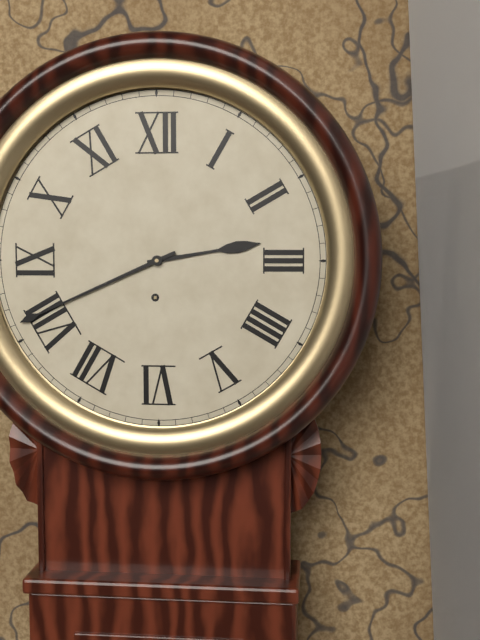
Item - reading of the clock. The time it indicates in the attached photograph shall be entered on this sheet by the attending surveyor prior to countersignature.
2:41
